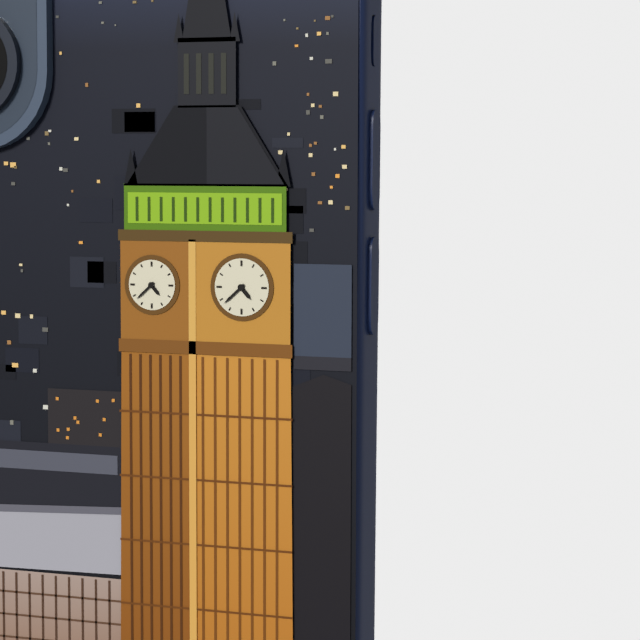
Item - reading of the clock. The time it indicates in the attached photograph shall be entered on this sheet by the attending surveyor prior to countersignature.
4:38
